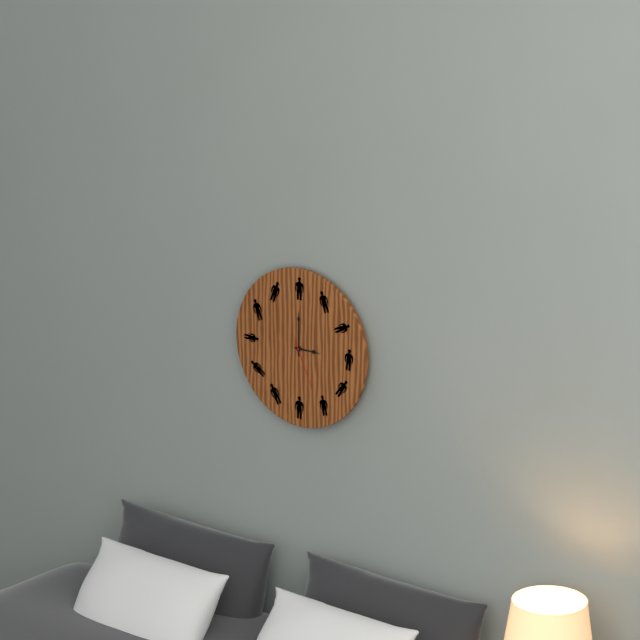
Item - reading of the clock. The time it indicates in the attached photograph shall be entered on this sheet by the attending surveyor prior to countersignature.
3:00:26
